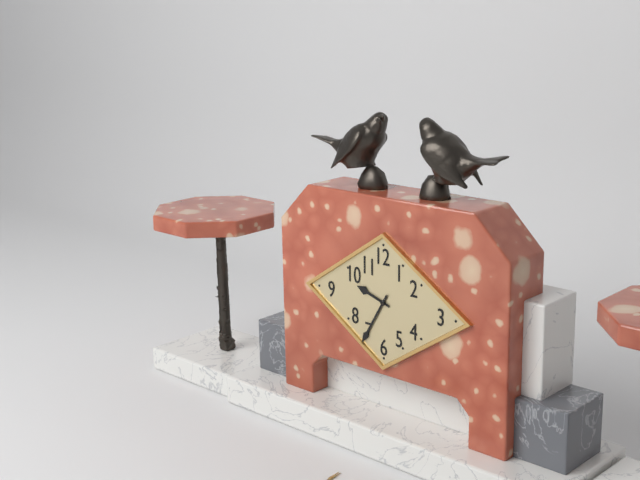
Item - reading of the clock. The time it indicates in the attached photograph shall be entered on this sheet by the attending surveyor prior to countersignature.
9:35
